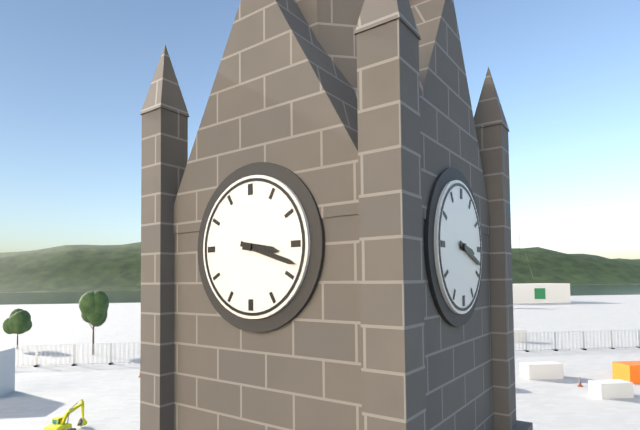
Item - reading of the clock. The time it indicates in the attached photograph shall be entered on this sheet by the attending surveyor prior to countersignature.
3:18
